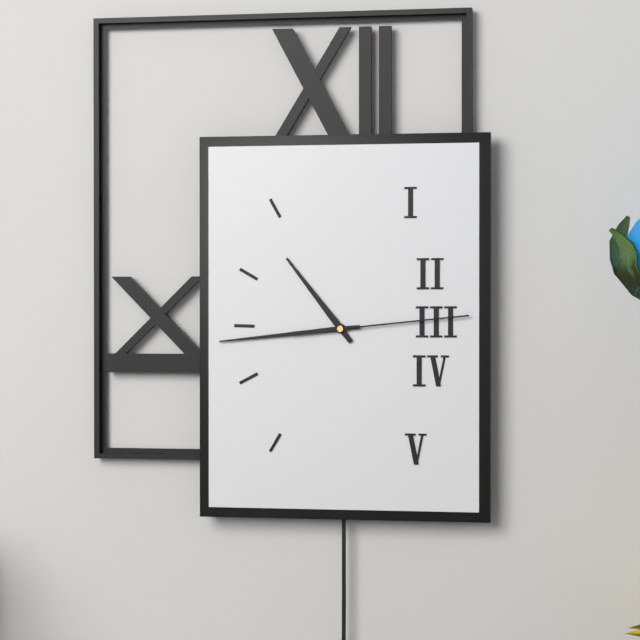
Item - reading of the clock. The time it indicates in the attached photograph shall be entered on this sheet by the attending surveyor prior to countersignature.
10:44:14
